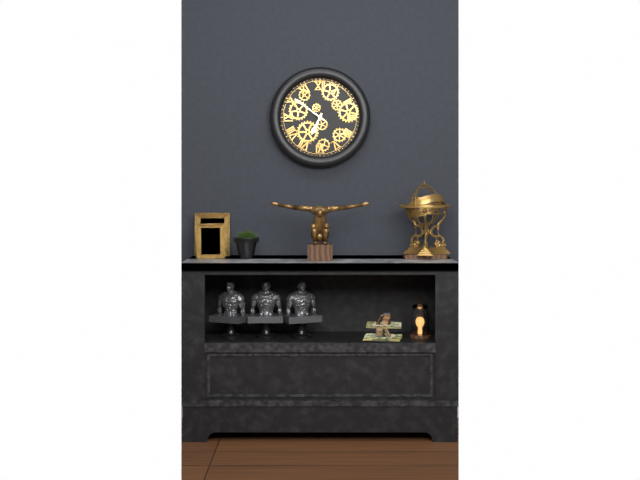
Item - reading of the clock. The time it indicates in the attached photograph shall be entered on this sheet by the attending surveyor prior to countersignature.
6:51
